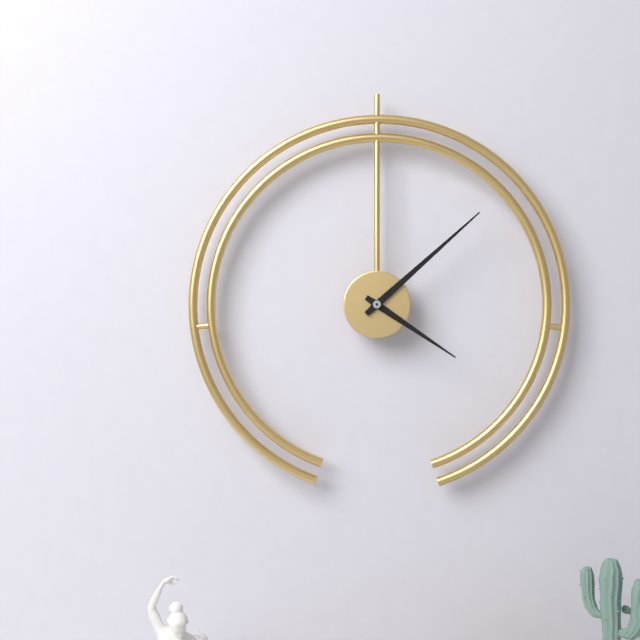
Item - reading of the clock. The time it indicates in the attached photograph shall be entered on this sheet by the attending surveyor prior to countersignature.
4:08
